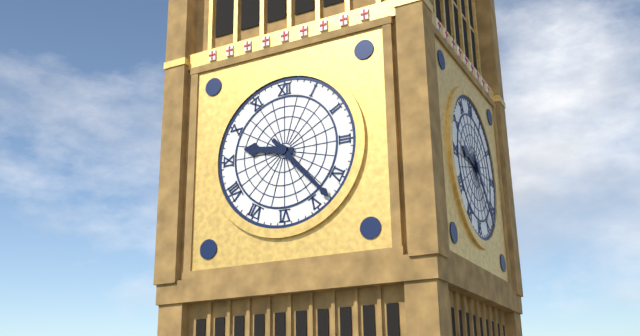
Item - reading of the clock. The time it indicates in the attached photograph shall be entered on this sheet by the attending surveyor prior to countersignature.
9:23
